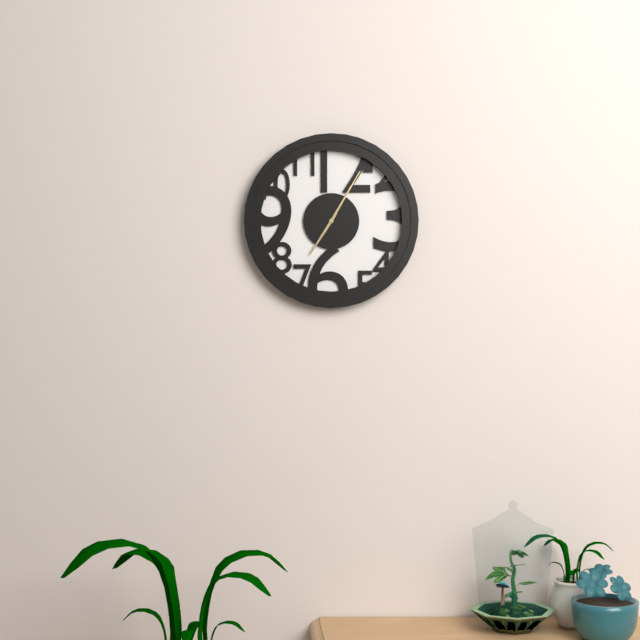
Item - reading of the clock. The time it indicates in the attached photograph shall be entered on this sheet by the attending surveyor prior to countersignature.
7:05
